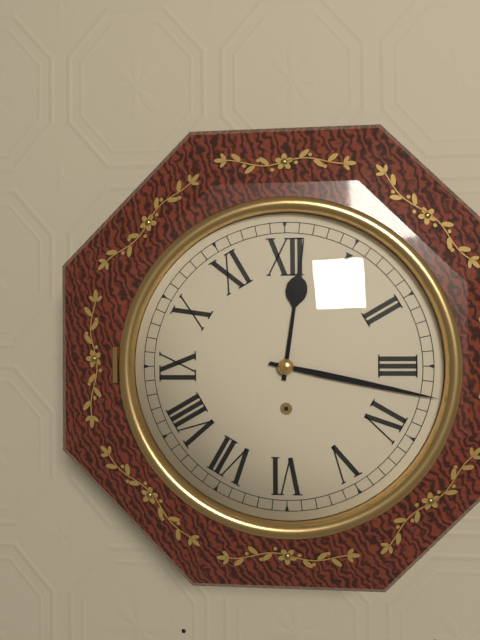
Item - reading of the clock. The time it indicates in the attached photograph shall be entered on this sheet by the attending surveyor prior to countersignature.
12:17
